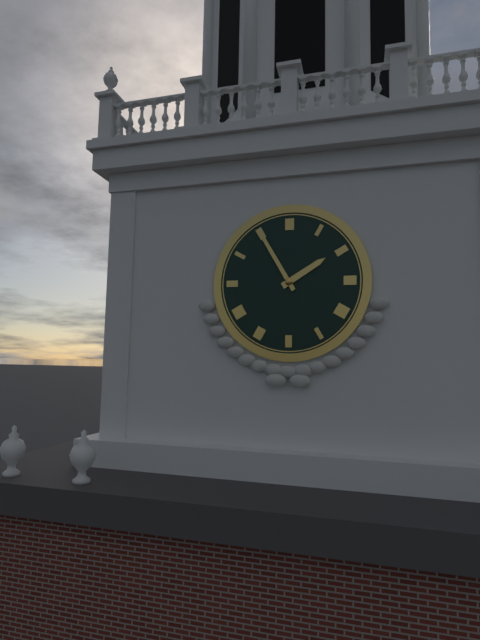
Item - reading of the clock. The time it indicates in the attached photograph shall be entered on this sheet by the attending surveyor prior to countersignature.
1:55
